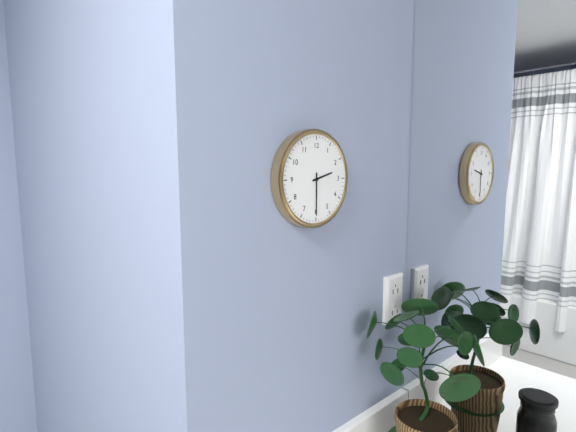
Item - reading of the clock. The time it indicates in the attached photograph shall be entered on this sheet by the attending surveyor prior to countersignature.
2:30
